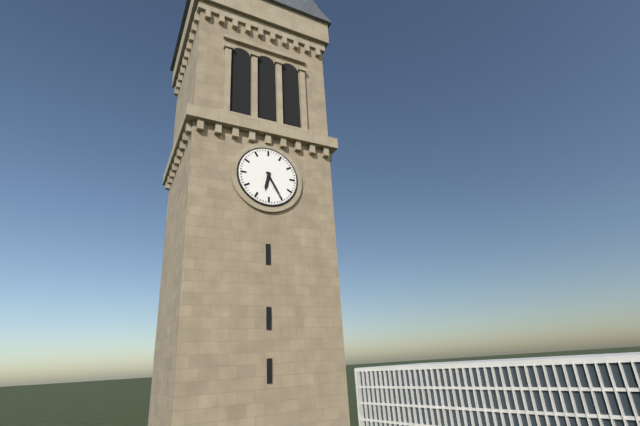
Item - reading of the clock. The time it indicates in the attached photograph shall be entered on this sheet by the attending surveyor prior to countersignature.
6:25
